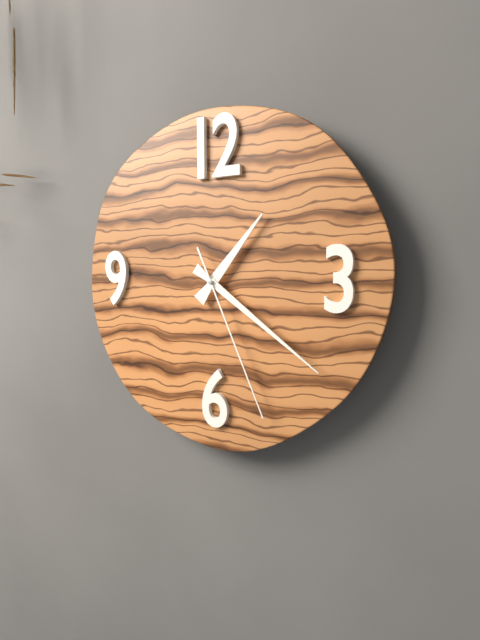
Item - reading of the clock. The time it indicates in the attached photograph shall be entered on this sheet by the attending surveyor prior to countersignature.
1:21:26
